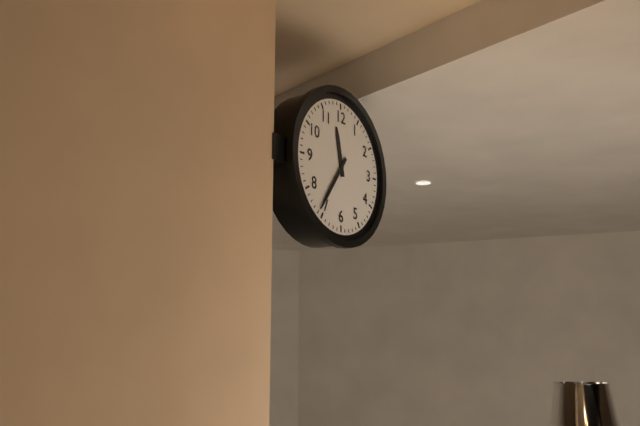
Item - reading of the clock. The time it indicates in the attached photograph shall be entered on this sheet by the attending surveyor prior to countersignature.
11:36
